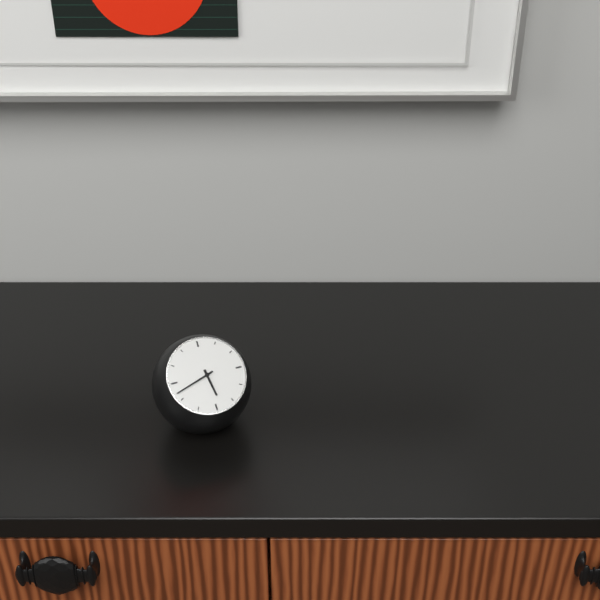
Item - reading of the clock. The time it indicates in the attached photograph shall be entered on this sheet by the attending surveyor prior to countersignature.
5:42
